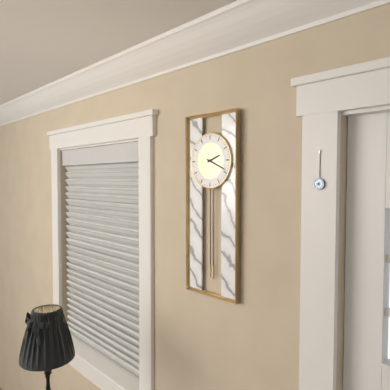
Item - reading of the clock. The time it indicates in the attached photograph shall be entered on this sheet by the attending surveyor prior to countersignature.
2:19
